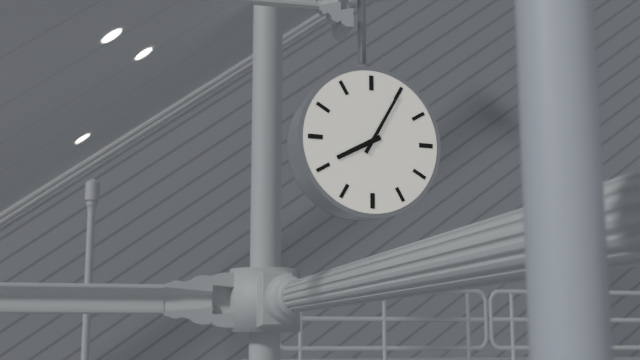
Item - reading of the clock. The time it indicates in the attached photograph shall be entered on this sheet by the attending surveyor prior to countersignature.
8:05
